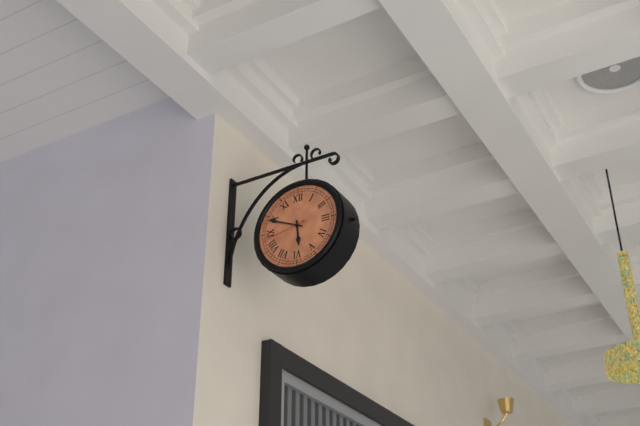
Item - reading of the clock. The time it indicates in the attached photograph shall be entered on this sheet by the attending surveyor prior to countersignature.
5:49
